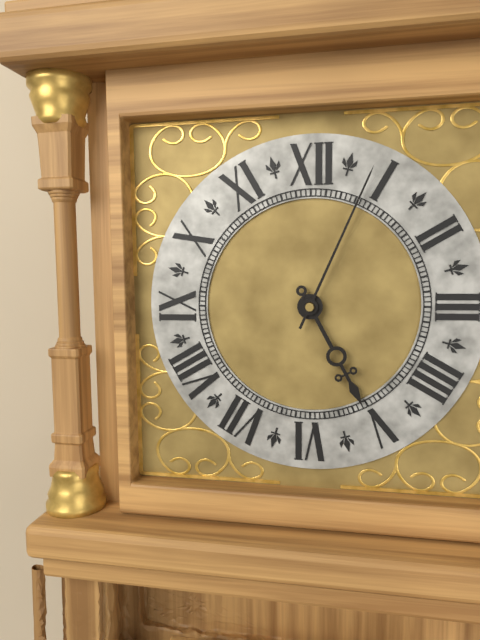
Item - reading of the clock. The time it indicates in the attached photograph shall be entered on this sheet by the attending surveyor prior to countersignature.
5:04
